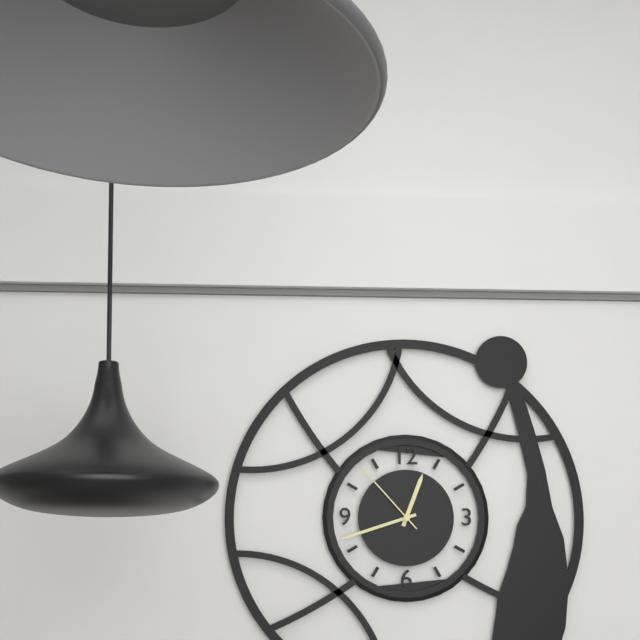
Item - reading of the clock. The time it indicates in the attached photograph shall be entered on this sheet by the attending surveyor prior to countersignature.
12:42:53
